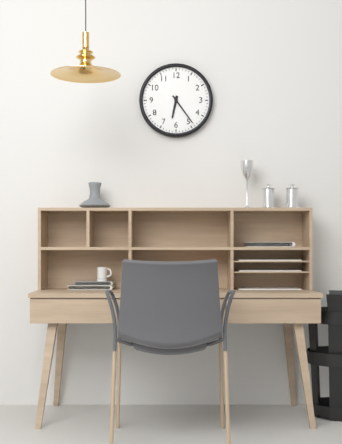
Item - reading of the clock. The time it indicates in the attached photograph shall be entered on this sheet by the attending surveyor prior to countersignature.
6:24
